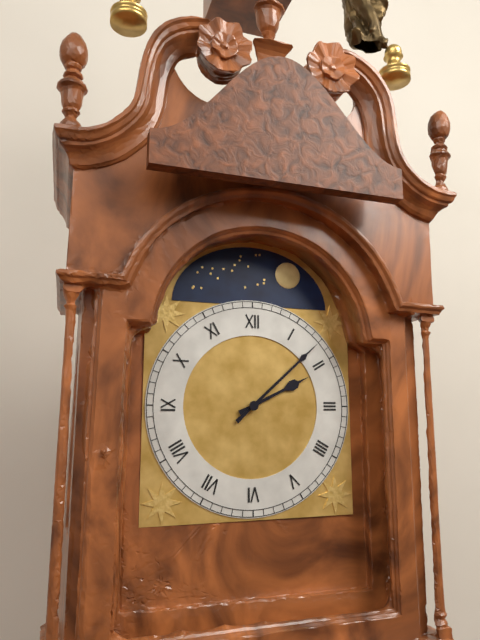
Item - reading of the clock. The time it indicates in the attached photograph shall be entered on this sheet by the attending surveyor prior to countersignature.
2:08
